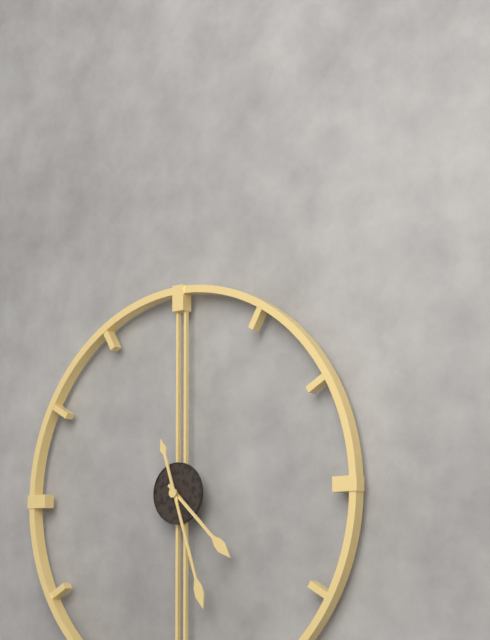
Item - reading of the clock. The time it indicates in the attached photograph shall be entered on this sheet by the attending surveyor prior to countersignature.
4:27
